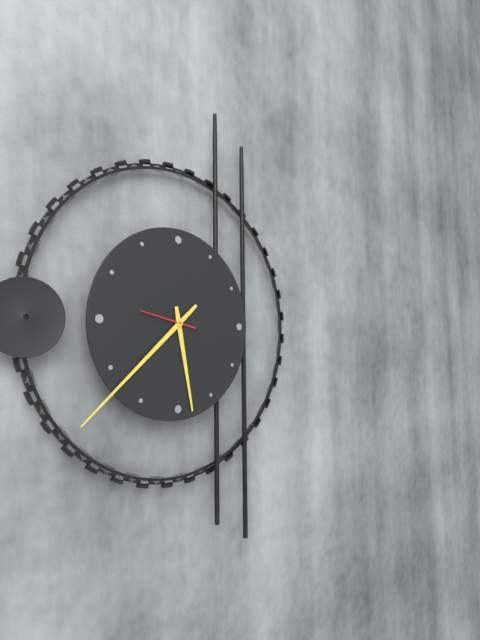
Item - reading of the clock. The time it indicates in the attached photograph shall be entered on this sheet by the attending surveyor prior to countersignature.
5:38:47
